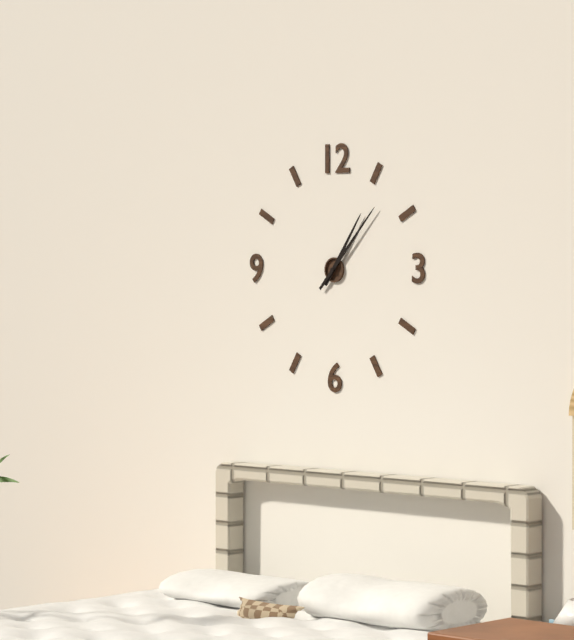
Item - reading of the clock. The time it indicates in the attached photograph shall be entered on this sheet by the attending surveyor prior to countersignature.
1:07
